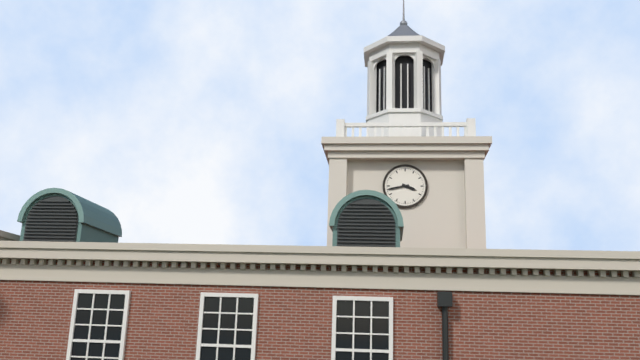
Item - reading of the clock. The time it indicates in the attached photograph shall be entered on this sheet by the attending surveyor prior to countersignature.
3:43
